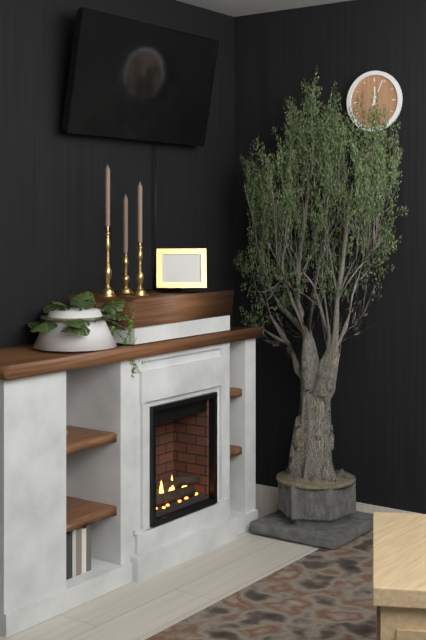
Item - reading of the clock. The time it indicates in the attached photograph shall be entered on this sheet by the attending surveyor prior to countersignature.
12:04
